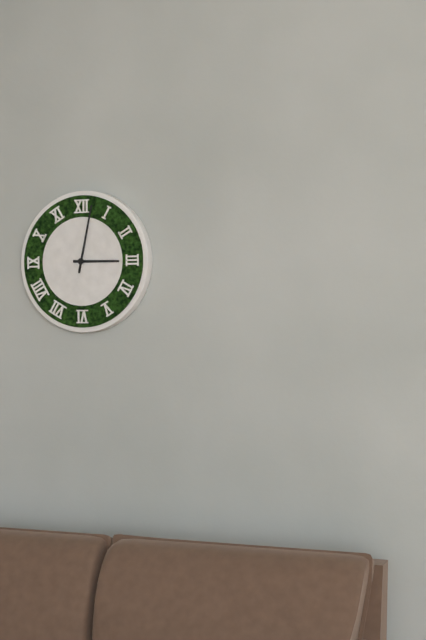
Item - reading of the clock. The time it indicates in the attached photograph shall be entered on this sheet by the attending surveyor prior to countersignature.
3:02
